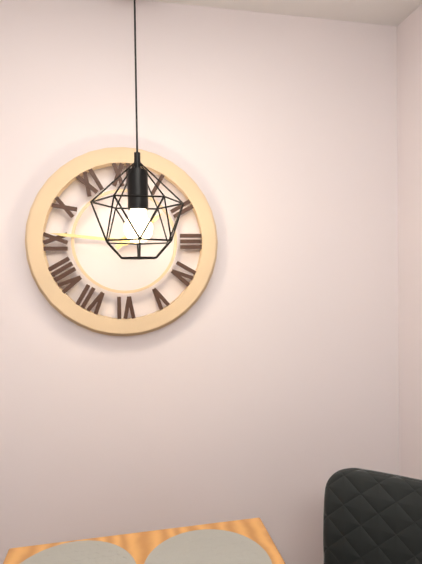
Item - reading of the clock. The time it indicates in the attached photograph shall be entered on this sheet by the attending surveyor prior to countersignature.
1:46
